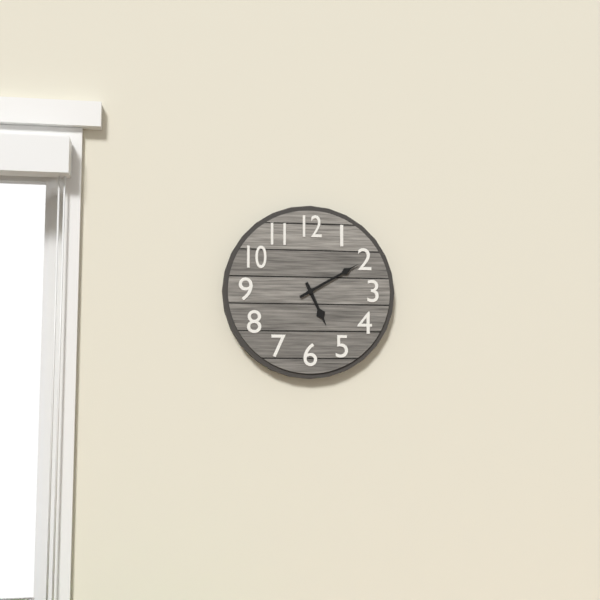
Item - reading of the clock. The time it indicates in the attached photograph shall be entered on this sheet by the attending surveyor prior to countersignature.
5:10
